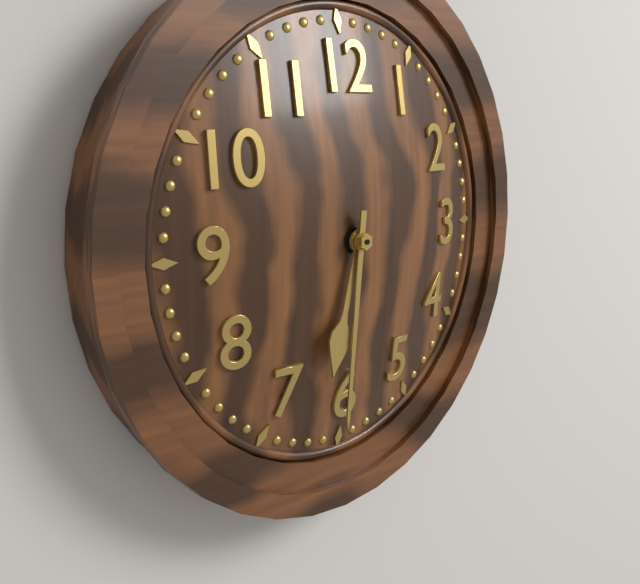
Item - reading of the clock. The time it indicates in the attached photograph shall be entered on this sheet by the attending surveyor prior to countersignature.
6:31
